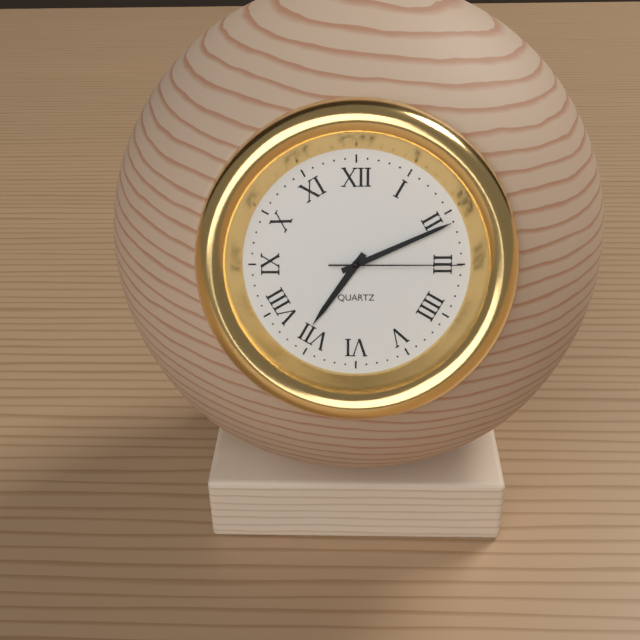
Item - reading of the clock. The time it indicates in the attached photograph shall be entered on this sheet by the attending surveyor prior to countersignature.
7:11:15
